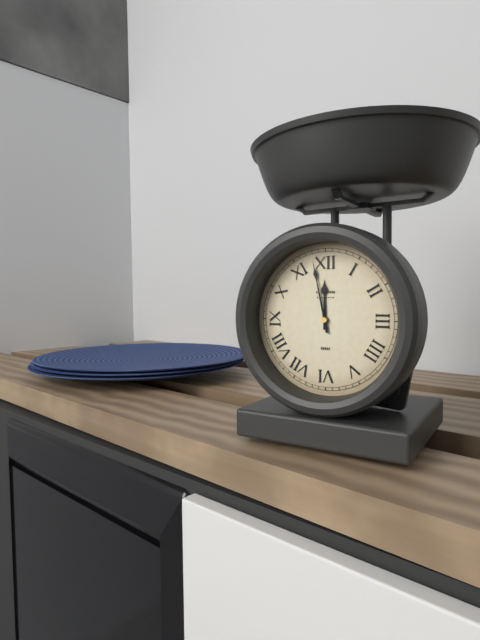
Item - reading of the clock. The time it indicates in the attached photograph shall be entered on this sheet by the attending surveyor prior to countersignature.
11:58
